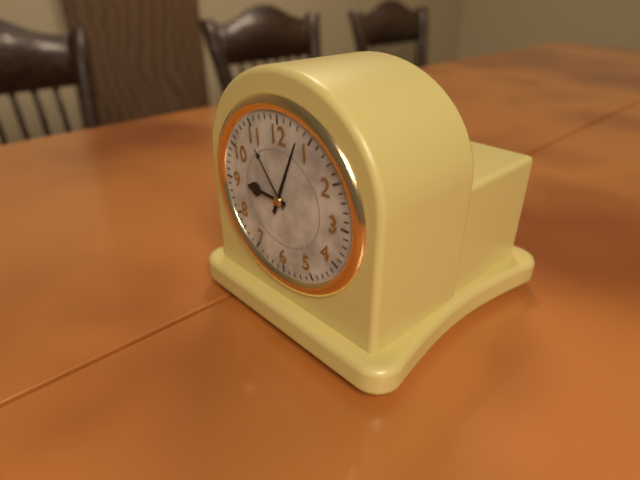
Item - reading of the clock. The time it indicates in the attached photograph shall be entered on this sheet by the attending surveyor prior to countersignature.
9:04
